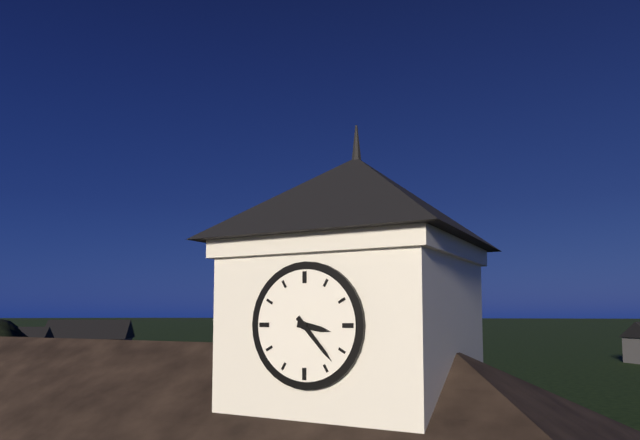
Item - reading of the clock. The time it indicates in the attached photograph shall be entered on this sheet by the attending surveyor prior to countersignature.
3:23
